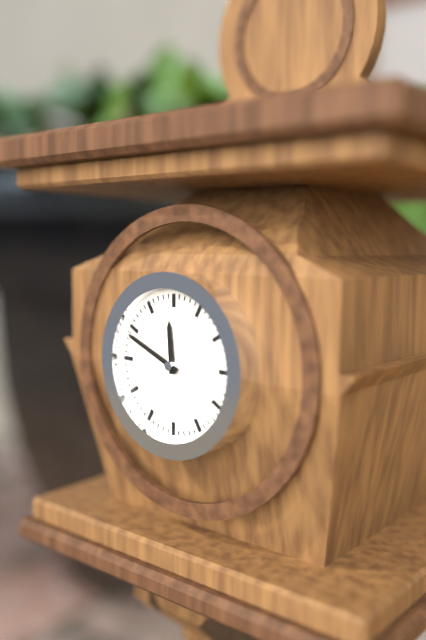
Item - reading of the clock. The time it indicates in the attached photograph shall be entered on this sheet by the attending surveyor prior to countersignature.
11:49
